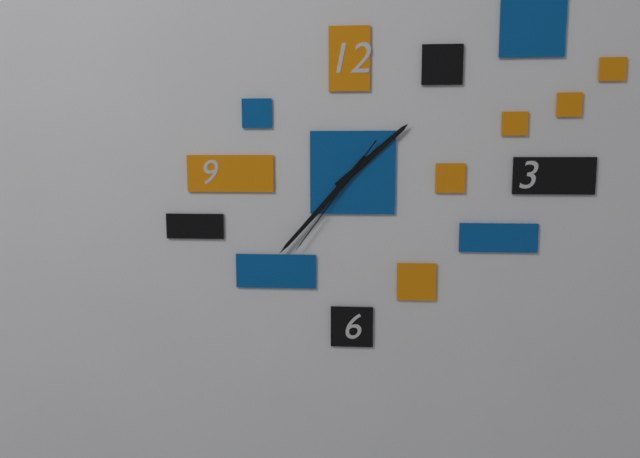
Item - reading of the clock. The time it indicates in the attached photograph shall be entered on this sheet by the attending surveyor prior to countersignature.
1:37:36
